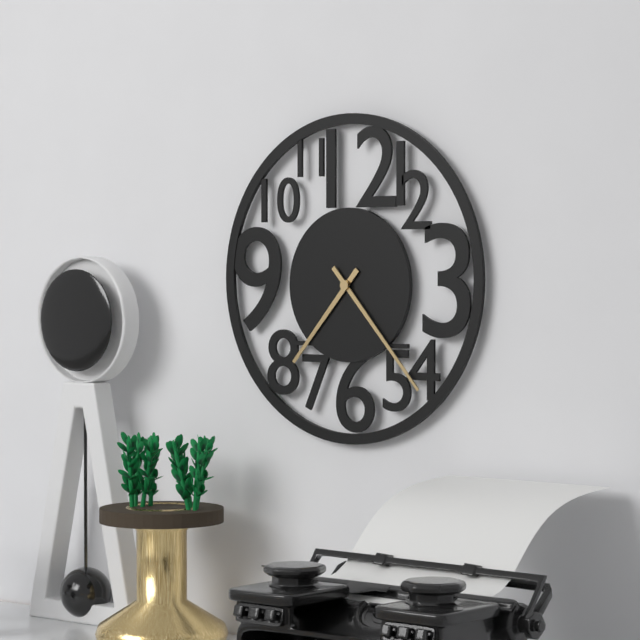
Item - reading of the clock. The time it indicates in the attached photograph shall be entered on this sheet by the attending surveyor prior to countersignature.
7:23
